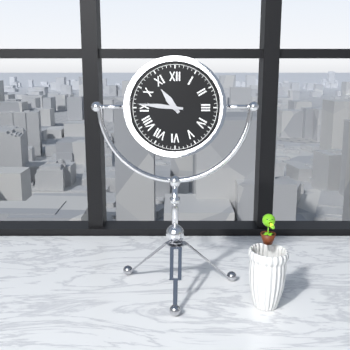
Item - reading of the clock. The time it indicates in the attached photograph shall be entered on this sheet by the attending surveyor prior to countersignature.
10:46
